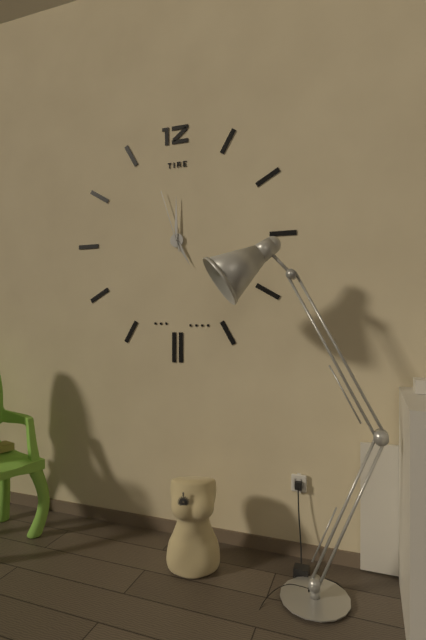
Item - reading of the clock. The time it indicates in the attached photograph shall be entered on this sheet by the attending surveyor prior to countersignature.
5:00:57
